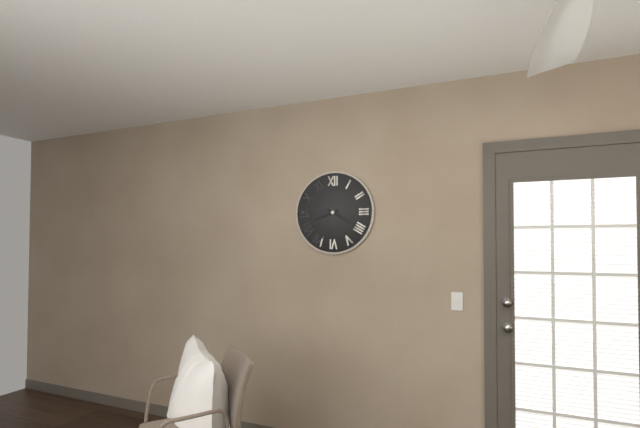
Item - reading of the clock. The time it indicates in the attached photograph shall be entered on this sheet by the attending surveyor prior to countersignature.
8:20
